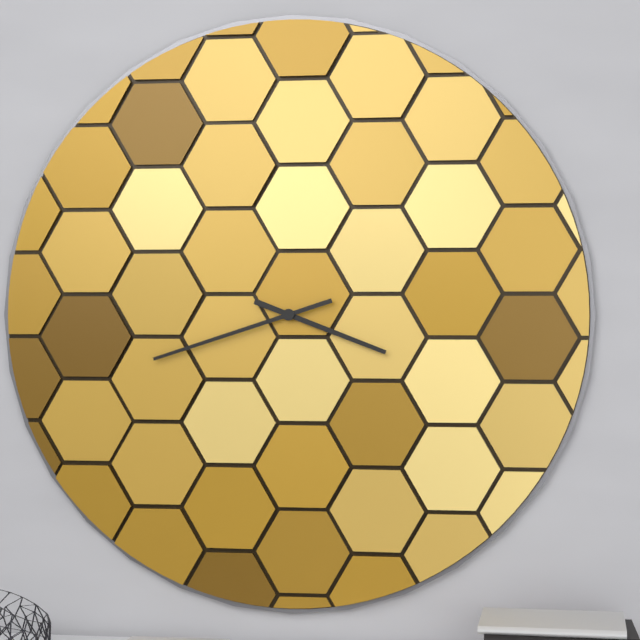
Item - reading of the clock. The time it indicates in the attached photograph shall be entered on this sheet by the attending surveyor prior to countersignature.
3:42
